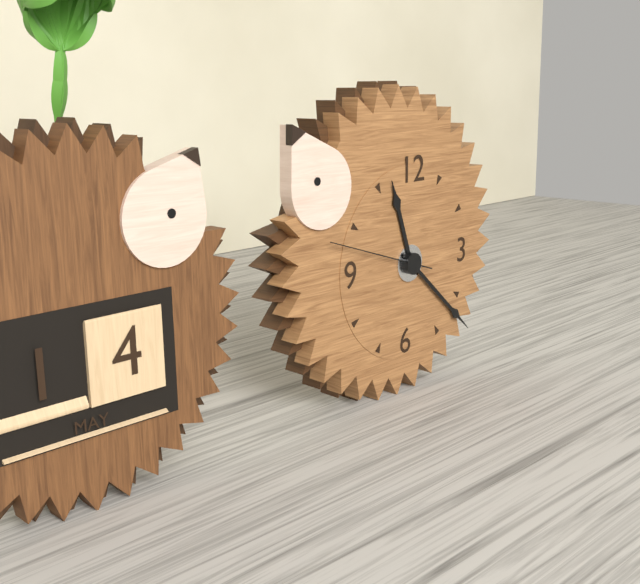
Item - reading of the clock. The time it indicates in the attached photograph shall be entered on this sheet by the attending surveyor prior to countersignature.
11:22:48
